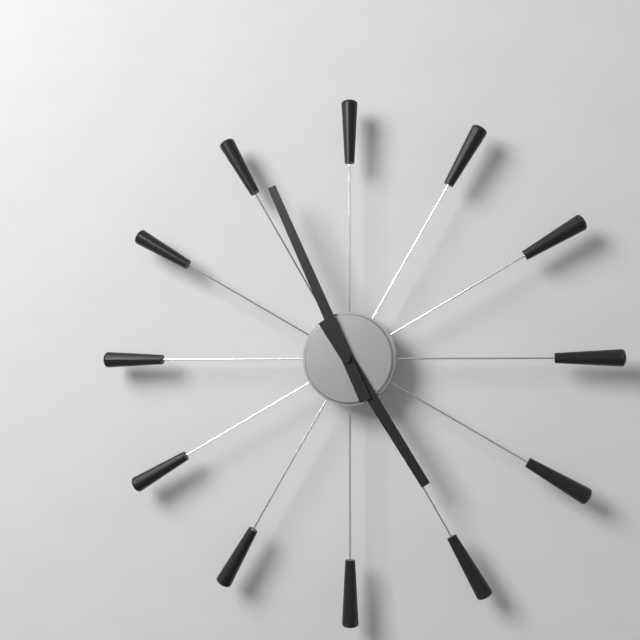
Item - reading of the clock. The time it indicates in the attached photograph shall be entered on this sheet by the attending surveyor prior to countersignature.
4:56
